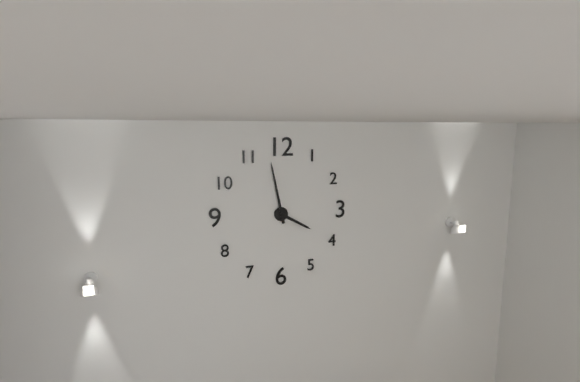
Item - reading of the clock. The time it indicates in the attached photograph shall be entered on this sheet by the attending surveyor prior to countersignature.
3:58
